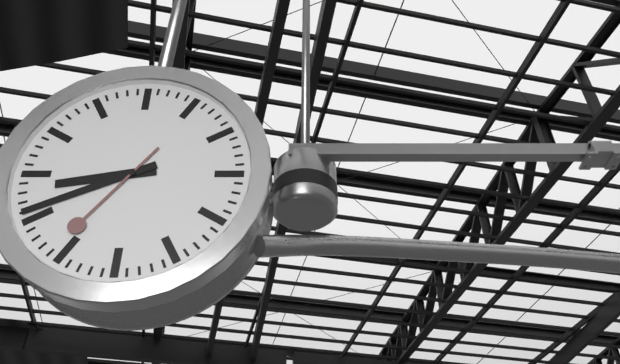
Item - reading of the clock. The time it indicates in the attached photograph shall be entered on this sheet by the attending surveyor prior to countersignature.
8:41:36
